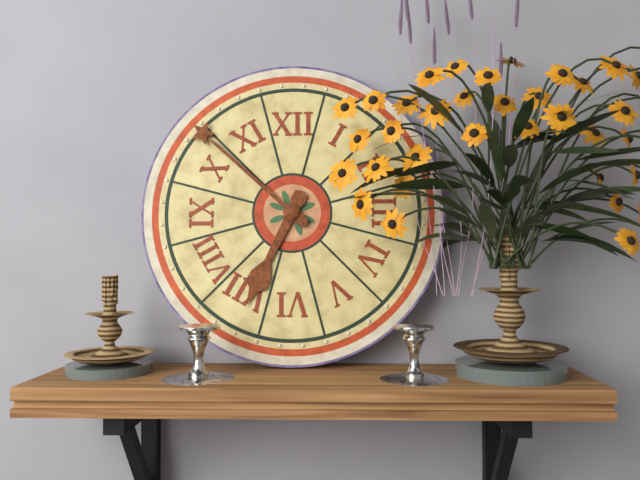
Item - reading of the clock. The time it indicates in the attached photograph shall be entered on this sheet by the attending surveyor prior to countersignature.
6:52
